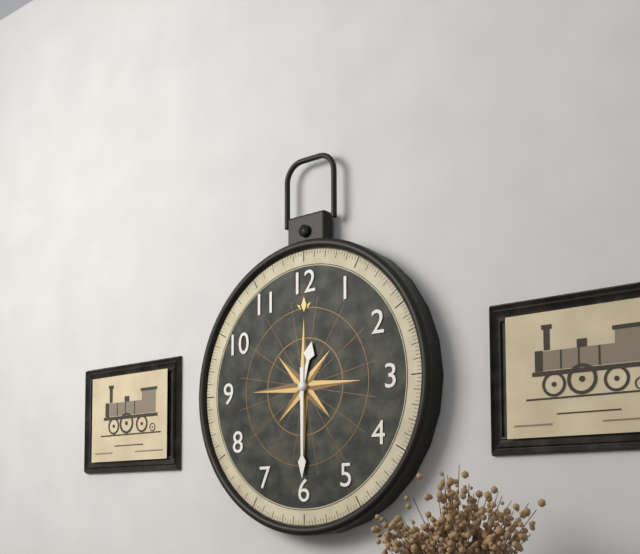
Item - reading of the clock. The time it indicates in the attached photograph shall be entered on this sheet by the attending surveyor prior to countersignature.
12:30
